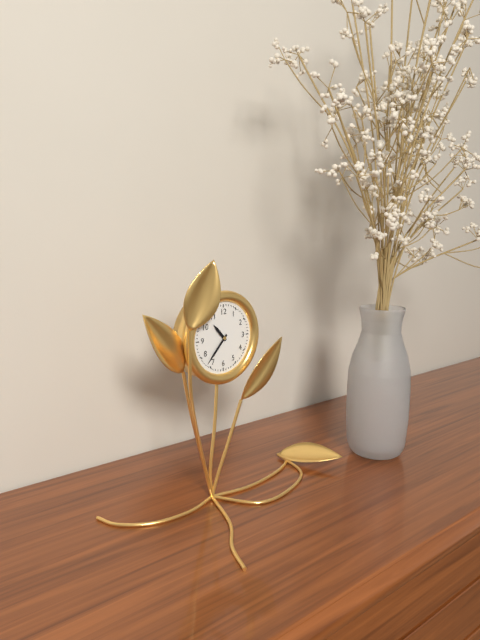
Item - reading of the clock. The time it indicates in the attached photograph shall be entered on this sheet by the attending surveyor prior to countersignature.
10:37
